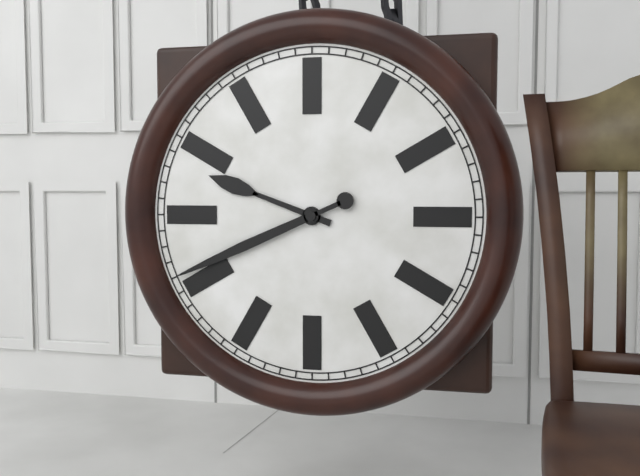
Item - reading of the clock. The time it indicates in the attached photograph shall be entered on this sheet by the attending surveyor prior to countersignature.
9:41
